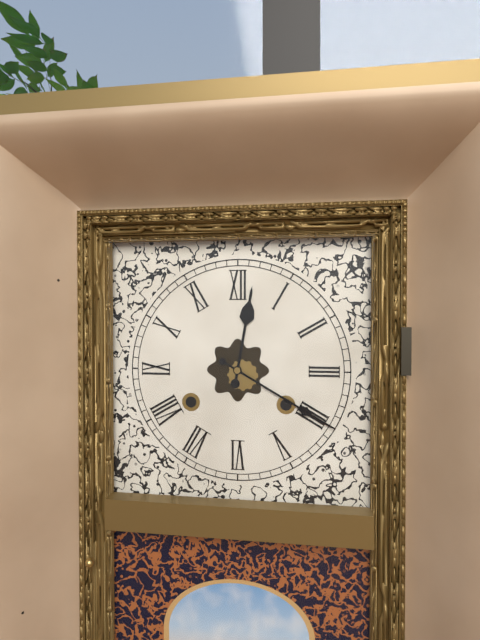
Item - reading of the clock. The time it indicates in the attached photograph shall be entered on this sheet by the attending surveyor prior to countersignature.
12:20
